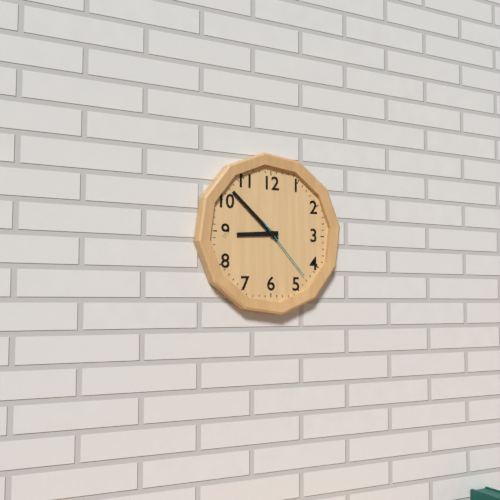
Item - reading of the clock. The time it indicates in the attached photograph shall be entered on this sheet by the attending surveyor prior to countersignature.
8:52:23
